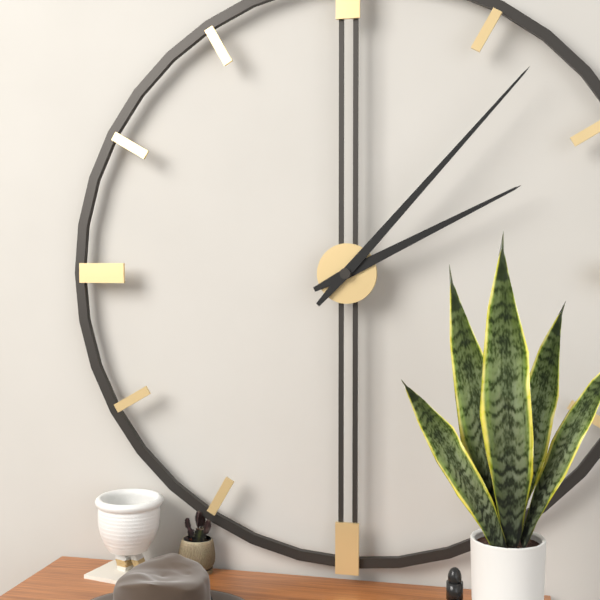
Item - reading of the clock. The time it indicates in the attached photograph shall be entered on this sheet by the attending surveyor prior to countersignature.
2:07
